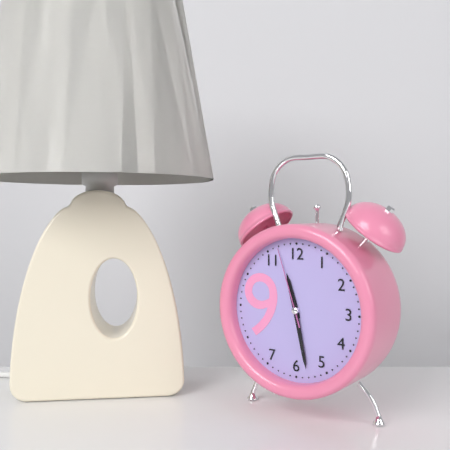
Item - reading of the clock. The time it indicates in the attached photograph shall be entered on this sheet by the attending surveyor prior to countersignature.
11:28:57
